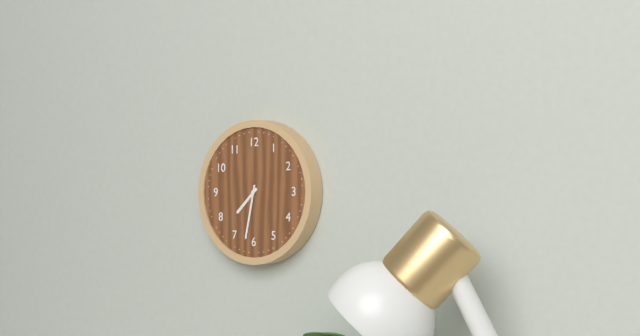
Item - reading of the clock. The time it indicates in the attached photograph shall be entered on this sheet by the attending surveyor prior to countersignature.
7:32
